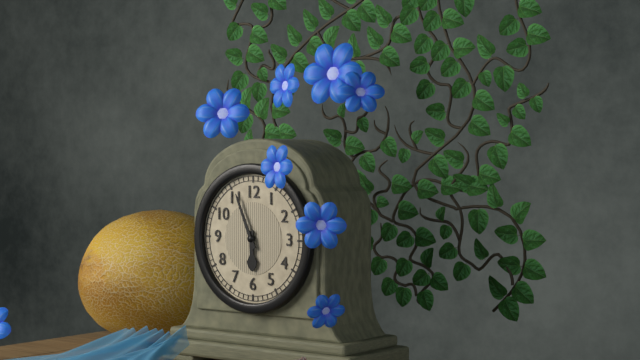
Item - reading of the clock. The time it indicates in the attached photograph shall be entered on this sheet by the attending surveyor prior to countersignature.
5:56
